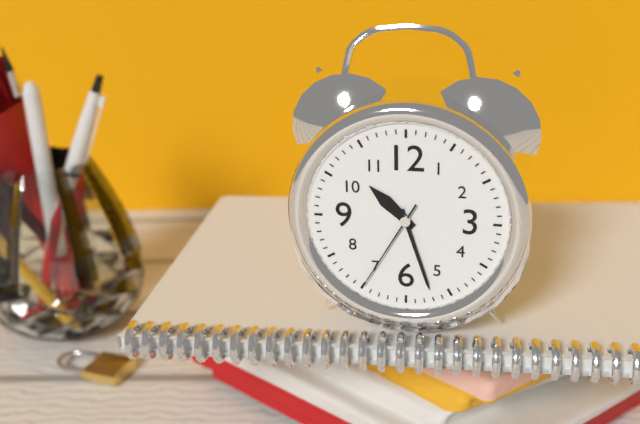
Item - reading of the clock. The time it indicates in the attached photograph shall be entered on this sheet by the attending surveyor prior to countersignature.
10:27:35
